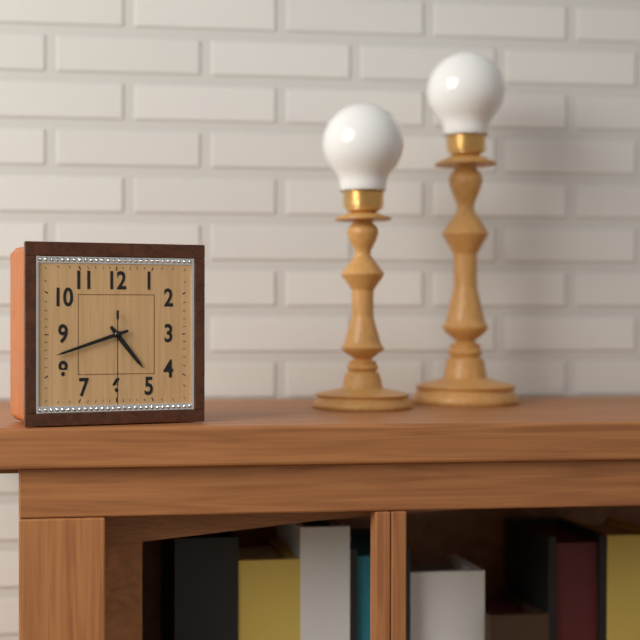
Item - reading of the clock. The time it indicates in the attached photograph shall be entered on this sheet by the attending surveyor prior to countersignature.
4:42:30
